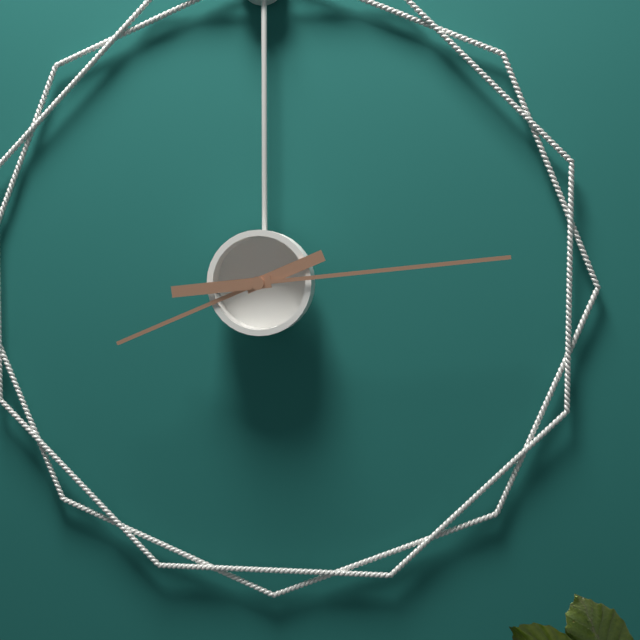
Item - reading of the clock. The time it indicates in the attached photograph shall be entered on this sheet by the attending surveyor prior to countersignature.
8:14
